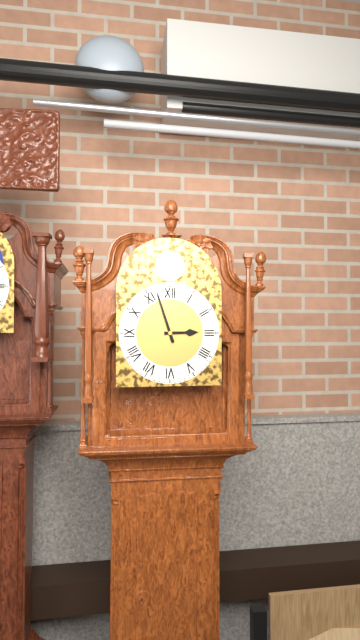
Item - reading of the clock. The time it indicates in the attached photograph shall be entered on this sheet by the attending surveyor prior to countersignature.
2:57
